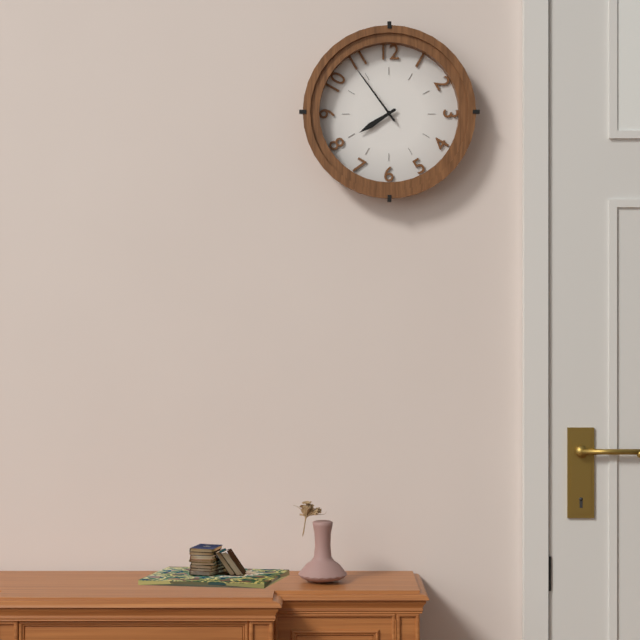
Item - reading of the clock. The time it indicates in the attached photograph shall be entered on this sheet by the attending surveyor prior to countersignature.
7:54
